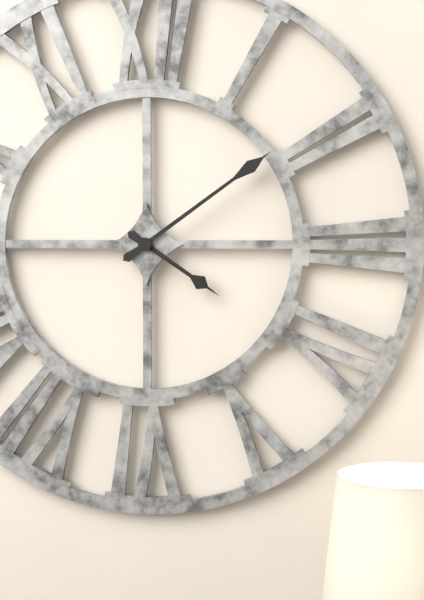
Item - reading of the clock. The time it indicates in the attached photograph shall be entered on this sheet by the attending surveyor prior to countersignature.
4:09
